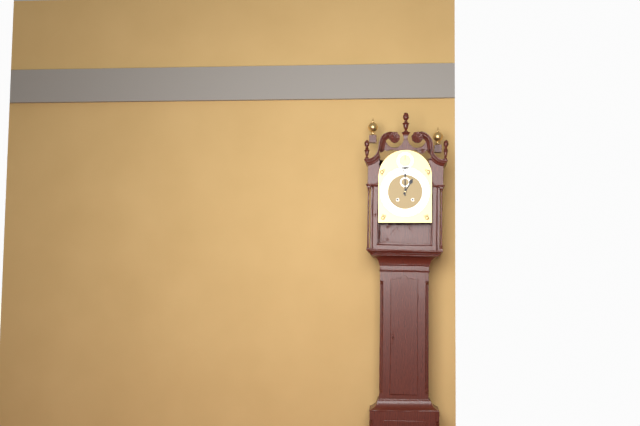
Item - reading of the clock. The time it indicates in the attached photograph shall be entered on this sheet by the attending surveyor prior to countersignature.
1:00
